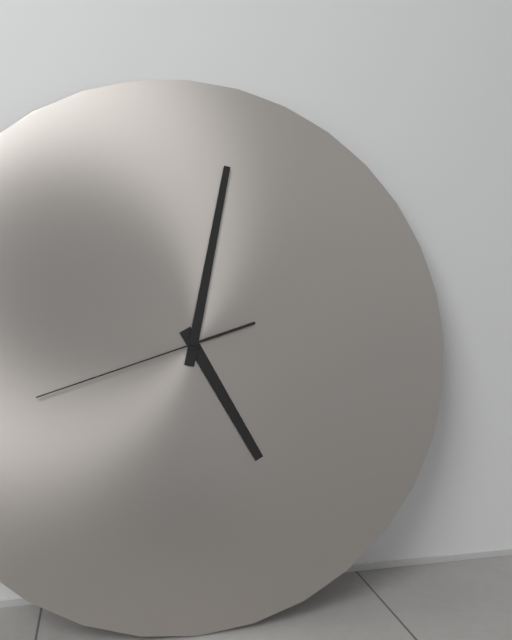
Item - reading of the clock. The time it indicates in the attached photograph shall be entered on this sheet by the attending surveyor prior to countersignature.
5:02:42
